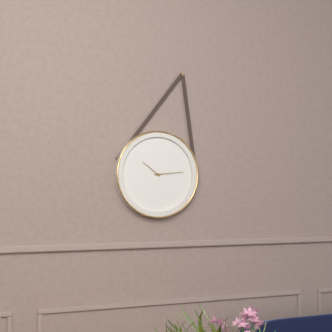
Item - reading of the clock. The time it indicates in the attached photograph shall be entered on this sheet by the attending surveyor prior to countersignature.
10:14
